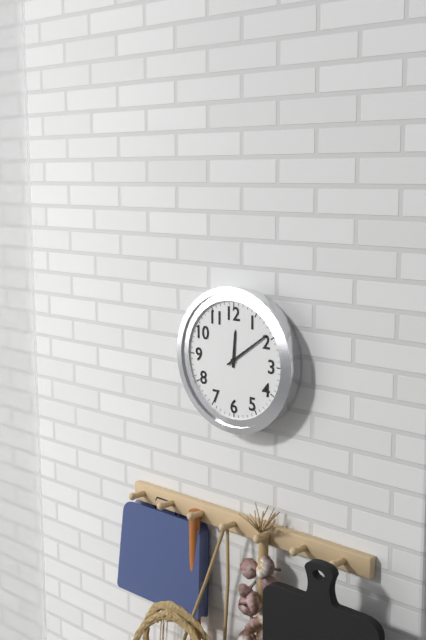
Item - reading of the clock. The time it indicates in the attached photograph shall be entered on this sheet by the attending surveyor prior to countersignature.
12:09
